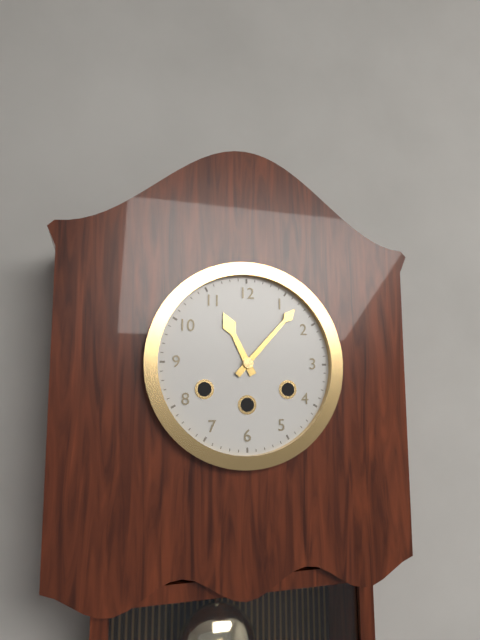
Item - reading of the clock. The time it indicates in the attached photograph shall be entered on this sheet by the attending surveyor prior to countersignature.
11:07
